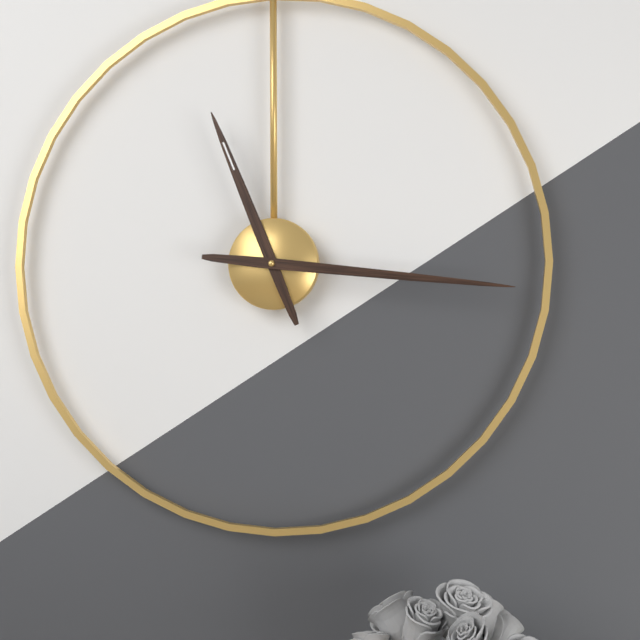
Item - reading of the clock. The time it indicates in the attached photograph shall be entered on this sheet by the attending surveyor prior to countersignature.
11:16
